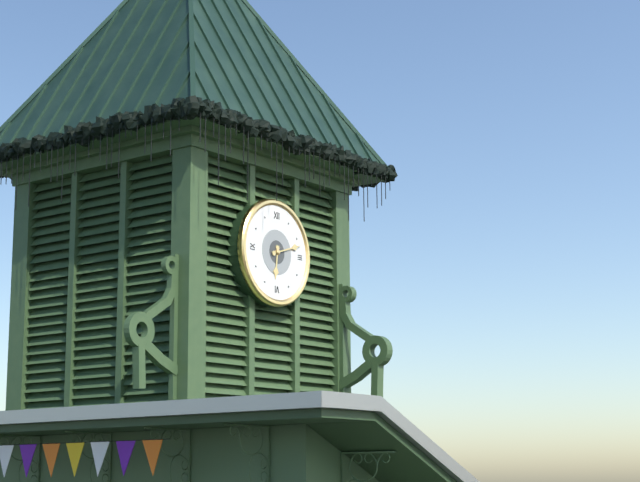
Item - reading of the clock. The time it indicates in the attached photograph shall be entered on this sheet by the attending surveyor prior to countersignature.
6:12
